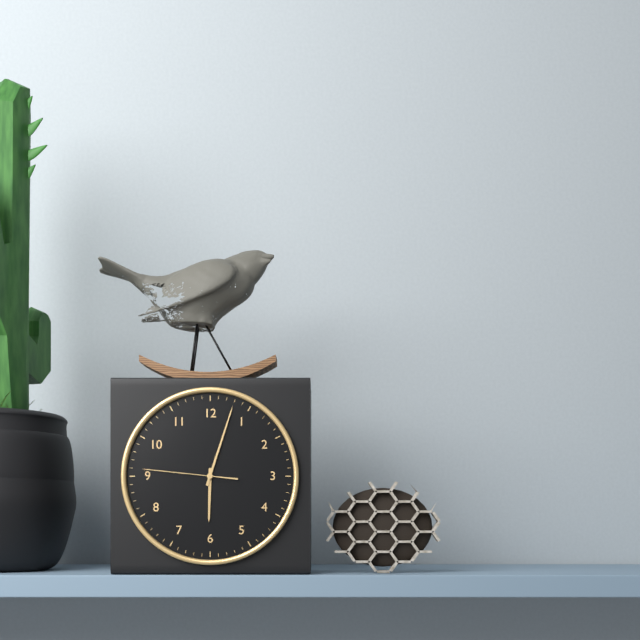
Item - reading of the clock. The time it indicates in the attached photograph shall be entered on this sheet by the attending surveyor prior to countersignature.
6:03:46
